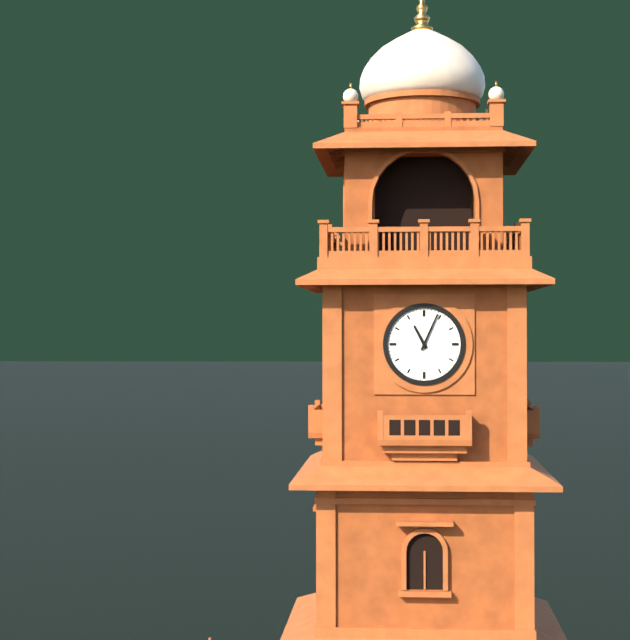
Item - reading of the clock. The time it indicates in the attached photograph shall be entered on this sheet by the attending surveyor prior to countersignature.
11:04
